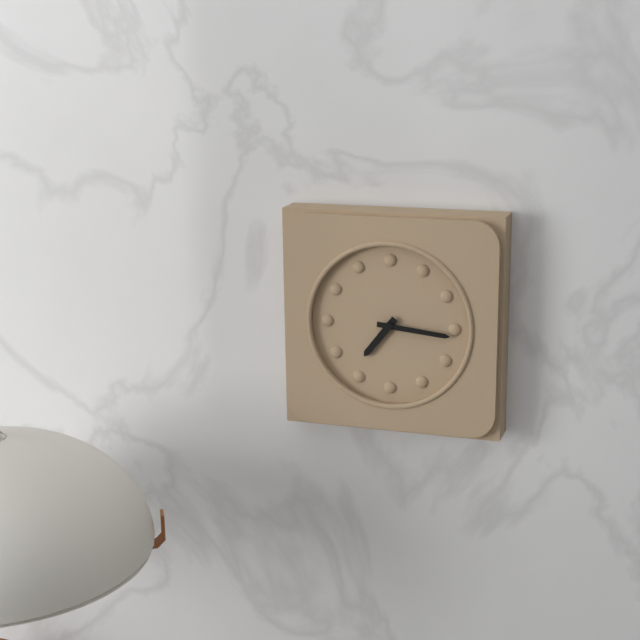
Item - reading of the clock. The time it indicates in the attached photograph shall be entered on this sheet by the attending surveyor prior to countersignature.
7:16
